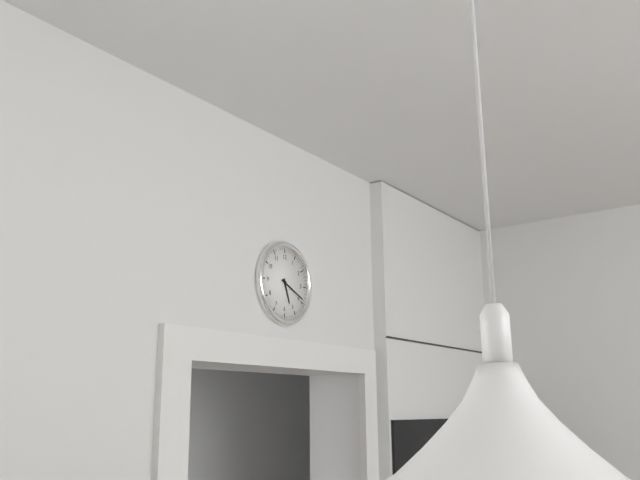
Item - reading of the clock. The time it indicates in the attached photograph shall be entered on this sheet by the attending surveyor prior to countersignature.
5:19
